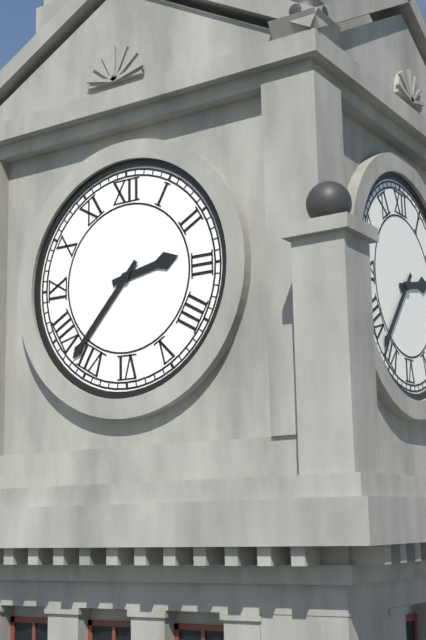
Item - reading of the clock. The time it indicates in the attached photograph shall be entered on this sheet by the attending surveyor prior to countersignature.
2:37
